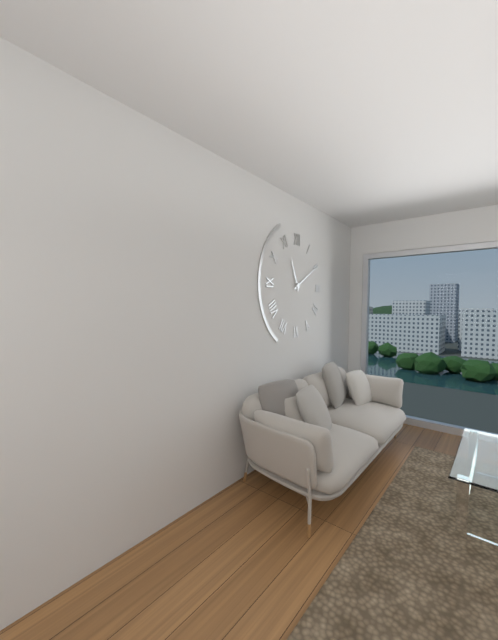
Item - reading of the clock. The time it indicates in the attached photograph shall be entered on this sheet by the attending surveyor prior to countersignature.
11:10
